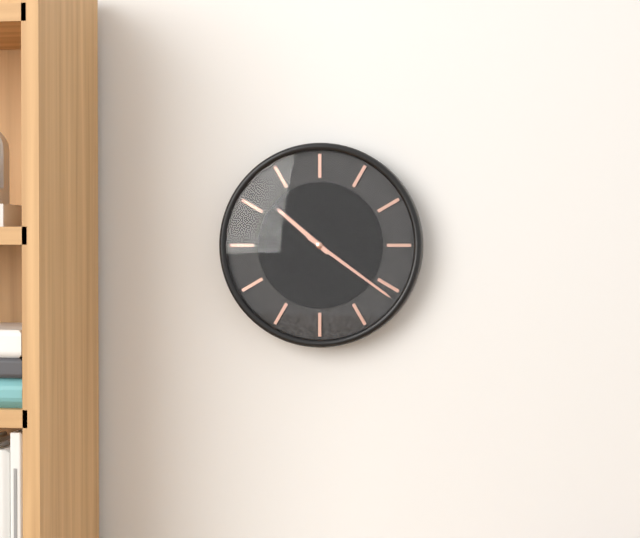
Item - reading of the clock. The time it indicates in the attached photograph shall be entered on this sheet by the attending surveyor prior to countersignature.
10:21
